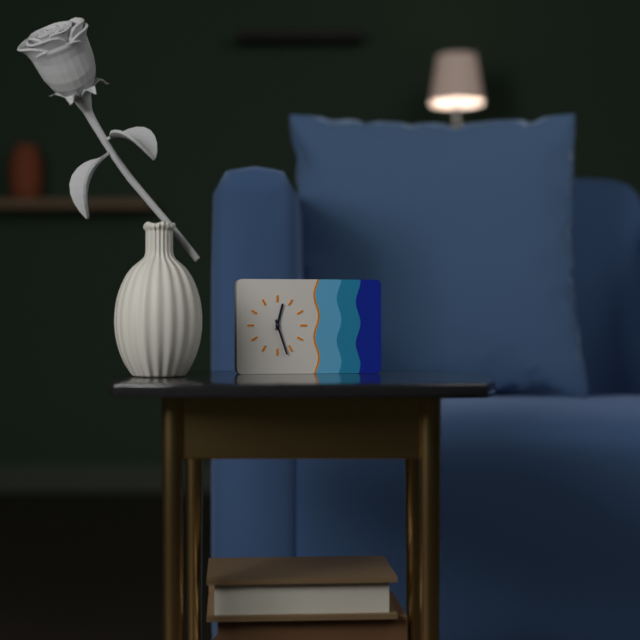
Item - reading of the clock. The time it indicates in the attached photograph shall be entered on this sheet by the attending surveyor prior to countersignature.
12:27
